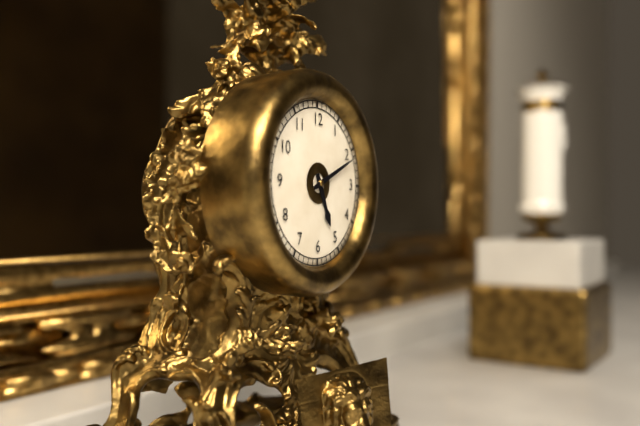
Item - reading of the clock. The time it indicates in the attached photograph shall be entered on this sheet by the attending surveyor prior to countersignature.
5:11
